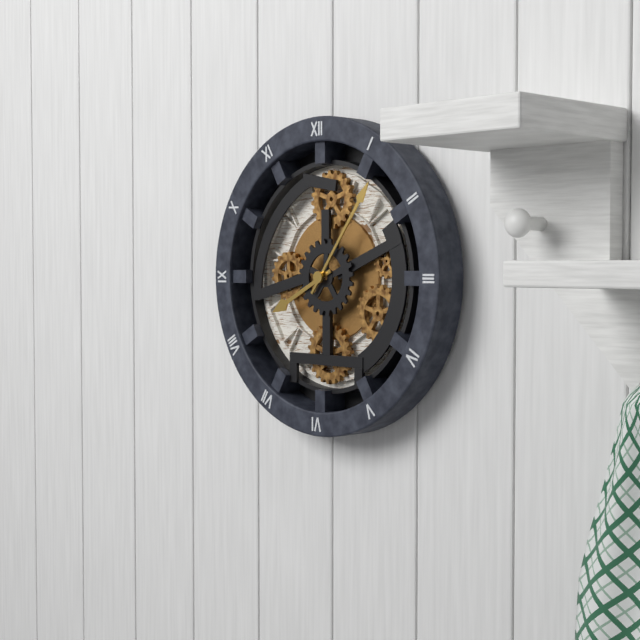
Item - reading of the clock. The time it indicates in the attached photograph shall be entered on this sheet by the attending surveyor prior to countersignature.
8:06
